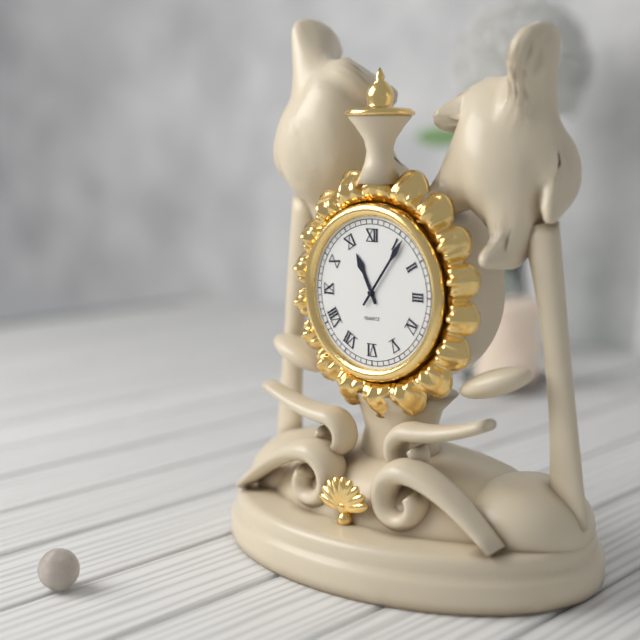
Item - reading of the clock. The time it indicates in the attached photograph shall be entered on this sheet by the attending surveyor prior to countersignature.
11:06
